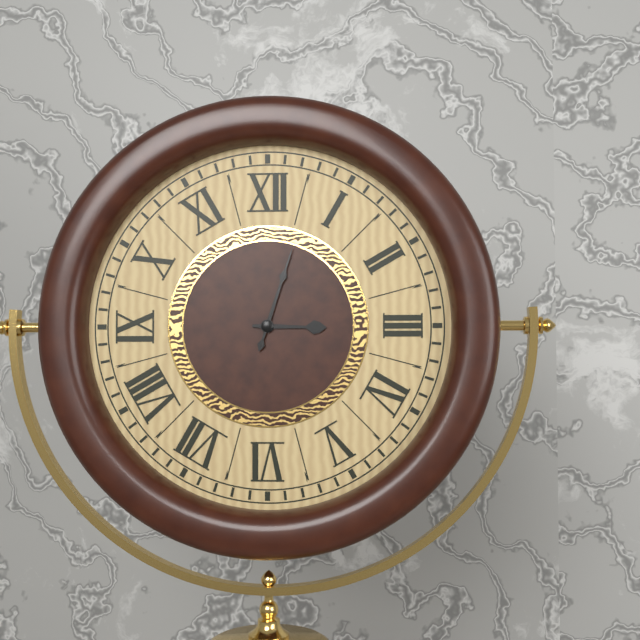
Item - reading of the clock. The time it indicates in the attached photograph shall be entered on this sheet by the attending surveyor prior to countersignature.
3:03
